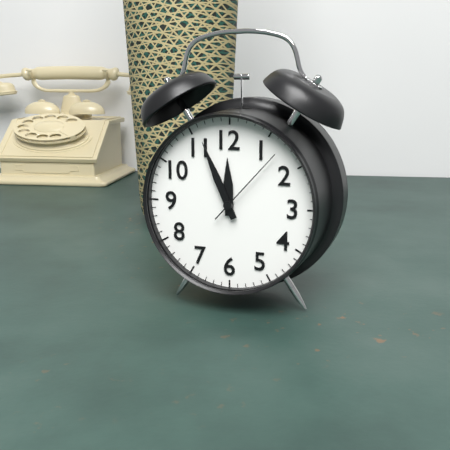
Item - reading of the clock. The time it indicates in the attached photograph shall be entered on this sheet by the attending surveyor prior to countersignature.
11:56:07
